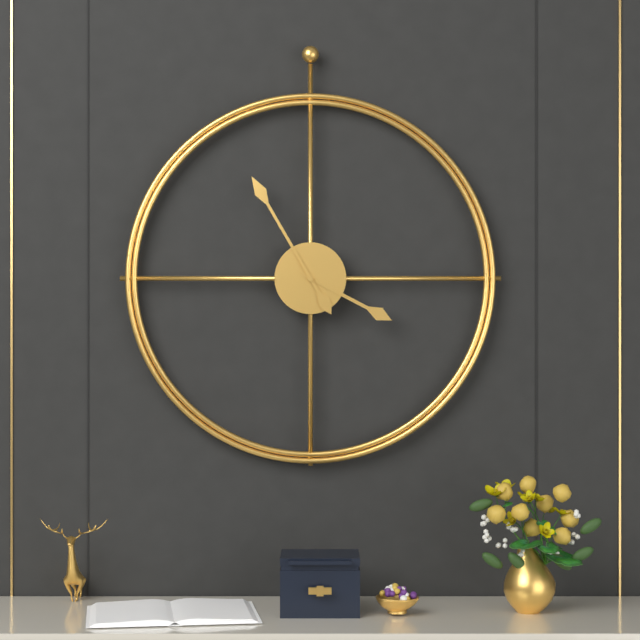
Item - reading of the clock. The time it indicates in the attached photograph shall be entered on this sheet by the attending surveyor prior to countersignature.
3:55
